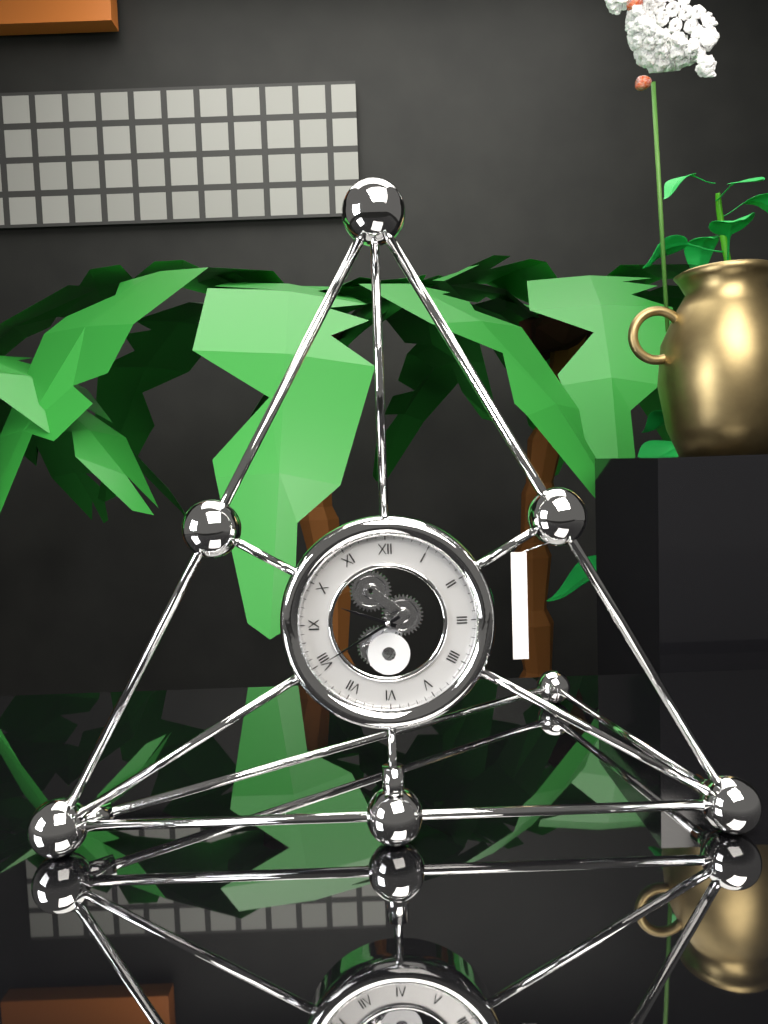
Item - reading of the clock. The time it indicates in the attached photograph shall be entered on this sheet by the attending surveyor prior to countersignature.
9:40
